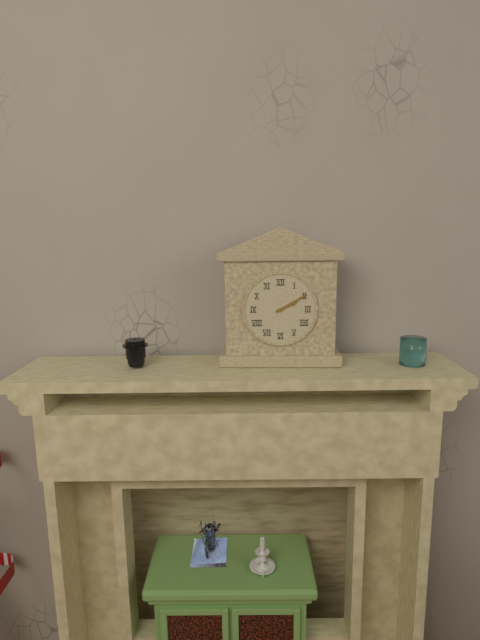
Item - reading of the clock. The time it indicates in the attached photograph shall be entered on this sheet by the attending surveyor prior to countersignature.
2:10
